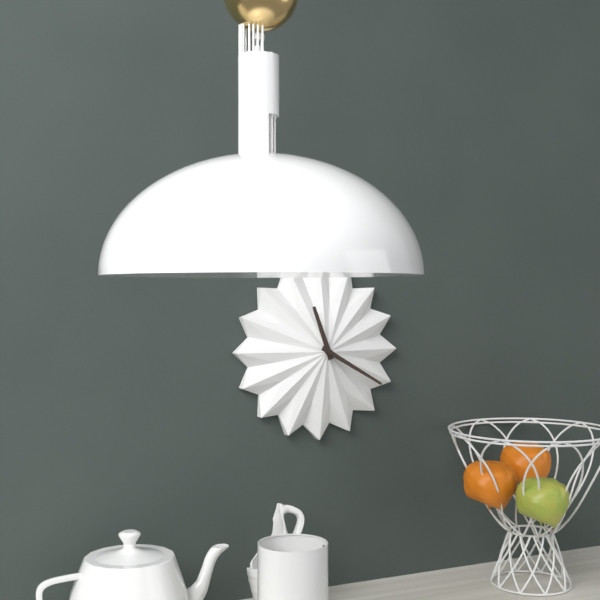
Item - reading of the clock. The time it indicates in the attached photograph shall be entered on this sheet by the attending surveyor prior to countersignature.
11:20
